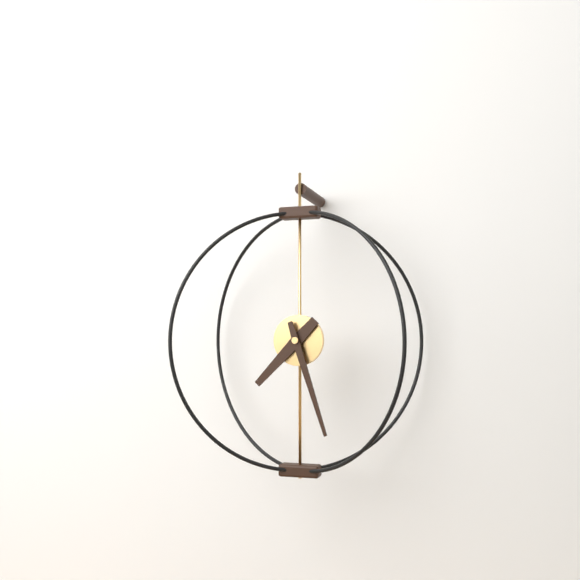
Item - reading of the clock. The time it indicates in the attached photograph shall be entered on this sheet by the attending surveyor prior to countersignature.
7:27
